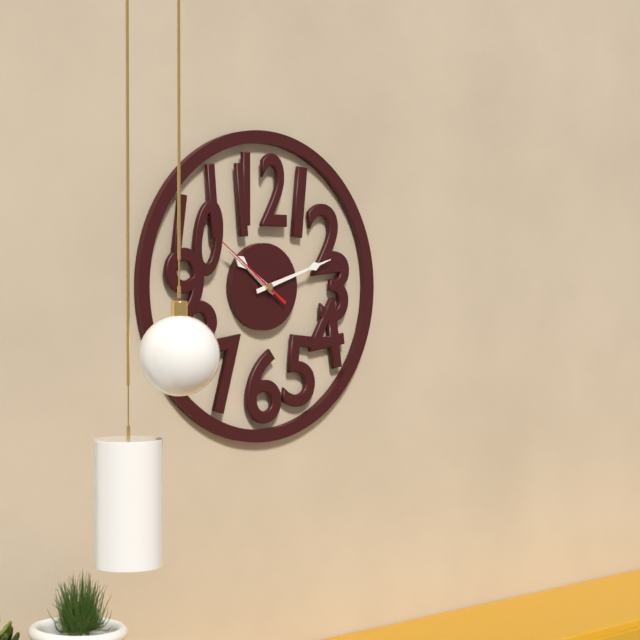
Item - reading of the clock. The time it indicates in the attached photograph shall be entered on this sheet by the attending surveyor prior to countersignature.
10:12:51
